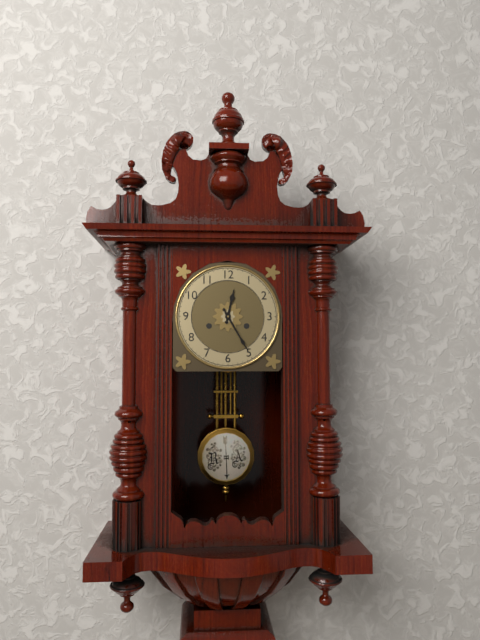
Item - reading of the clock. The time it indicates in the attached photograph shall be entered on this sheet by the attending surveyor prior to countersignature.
12:25
